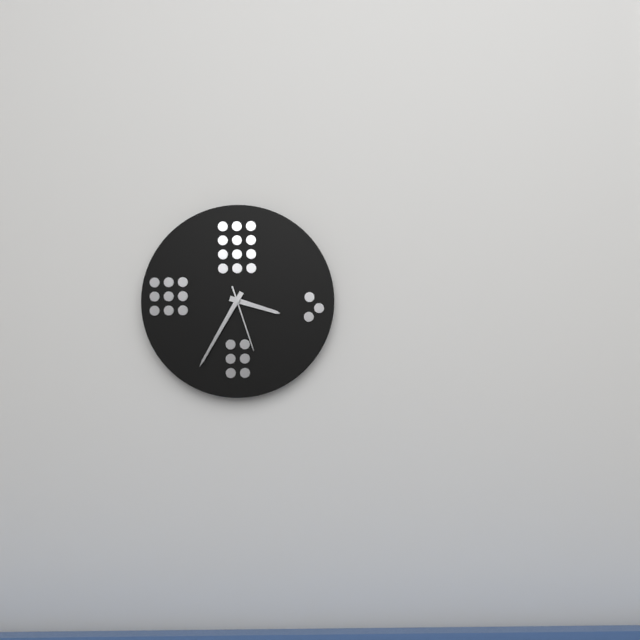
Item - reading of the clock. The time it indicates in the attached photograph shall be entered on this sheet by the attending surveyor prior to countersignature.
3:35:27
